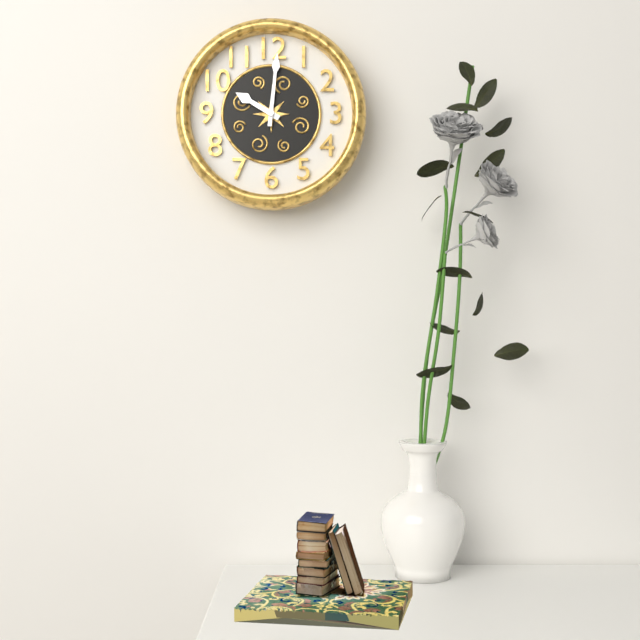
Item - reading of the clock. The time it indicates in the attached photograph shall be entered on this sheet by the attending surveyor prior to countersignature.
10:01
